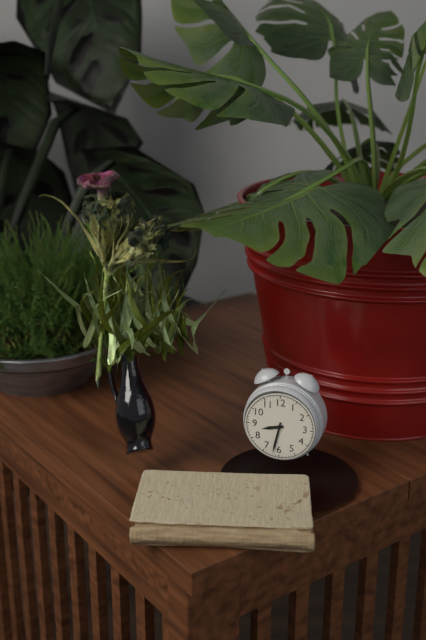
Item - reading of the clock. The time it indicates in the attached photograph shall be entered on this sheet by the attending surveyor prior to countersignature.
8:32
